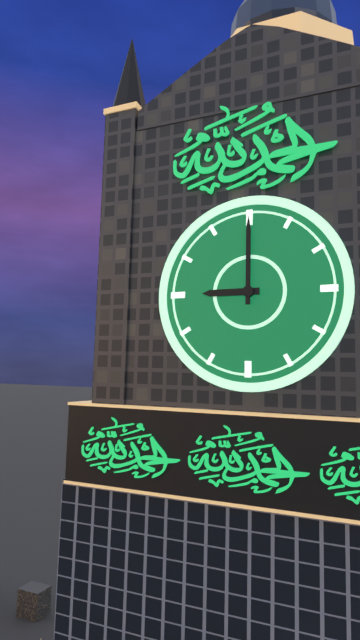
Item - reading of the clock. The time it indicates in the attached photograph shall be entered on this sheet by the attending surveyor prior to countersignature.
9:00
